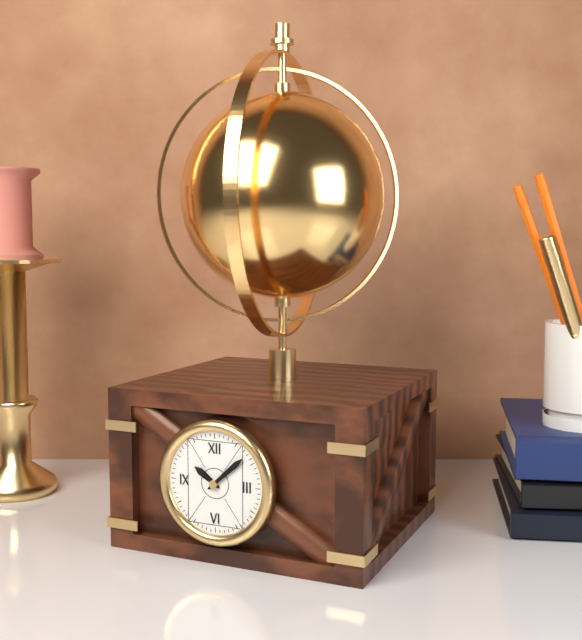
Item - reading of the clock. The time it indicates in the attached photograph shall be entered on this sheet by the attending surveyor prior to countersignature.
10:08
